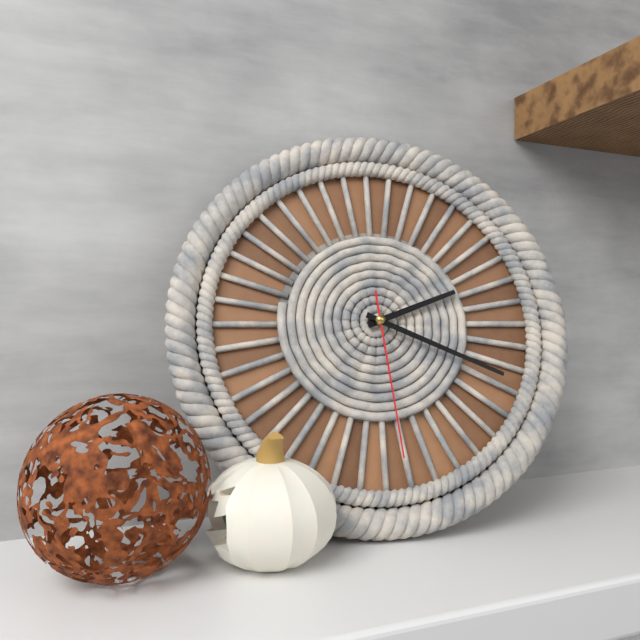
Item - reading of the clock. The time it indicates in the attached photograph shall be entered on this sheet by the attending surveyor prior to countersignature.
2:19:29
